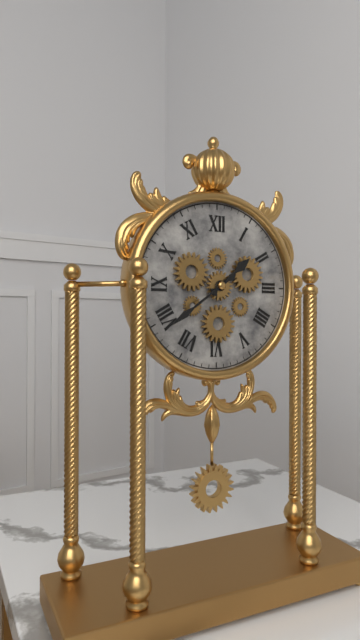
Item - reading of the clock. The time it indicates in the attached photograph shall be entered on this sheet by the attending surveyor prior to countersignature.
1:39
